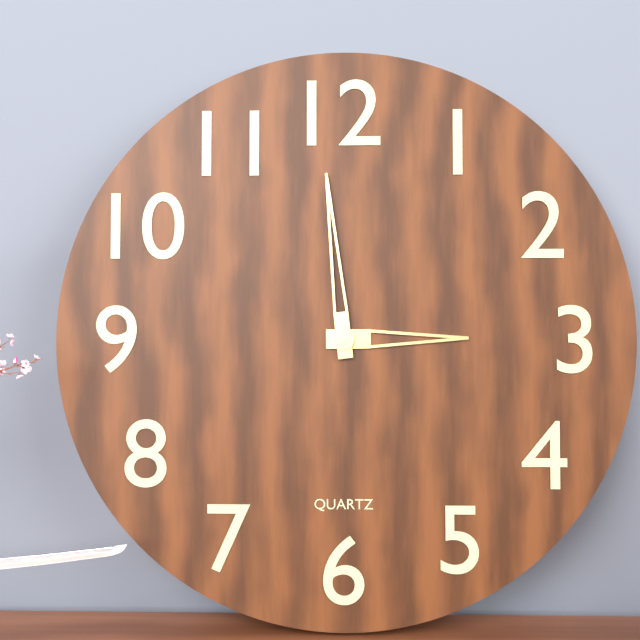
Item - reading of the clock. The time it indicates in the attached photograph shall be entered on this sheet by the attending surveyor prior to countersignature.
2:59
